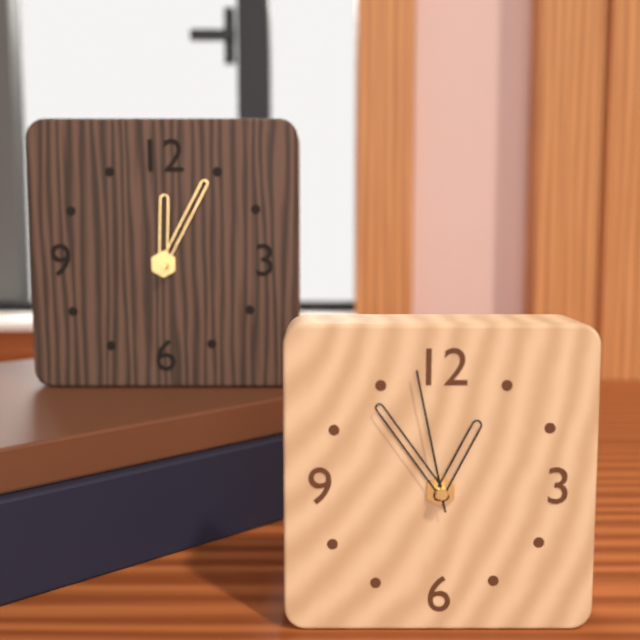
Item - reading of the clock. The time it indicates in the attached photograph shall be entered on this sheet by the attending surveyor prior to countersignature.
12:54:58
